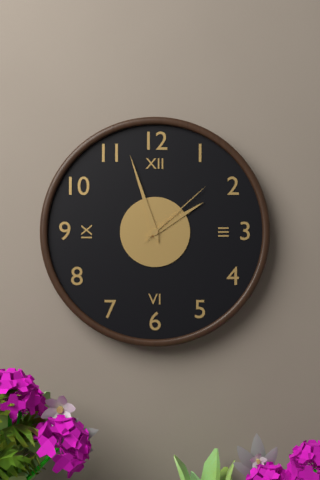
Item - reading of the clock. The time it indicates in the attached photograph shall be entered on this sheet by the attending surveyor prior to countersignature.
1:57:08
